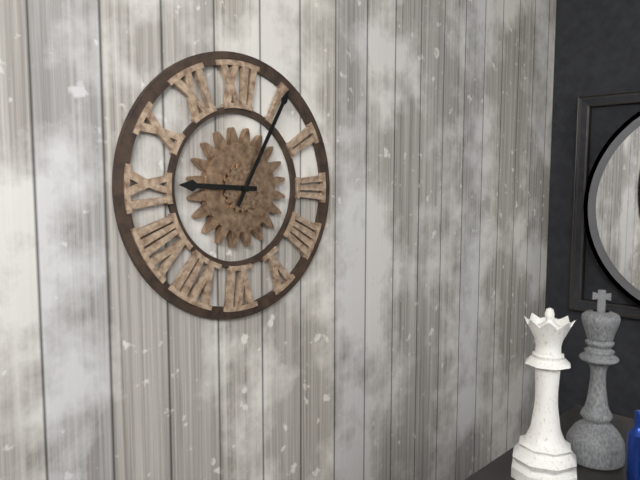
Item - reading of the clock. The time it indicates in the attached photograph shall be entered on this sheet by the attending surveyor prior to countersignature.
9:05
